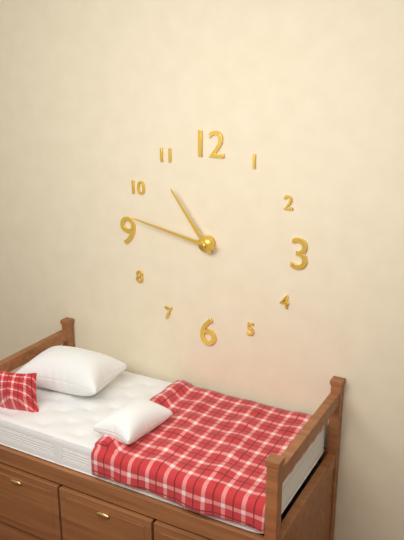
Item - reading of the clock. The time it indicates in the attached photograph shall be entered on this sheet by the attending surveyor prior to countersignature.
10:47
